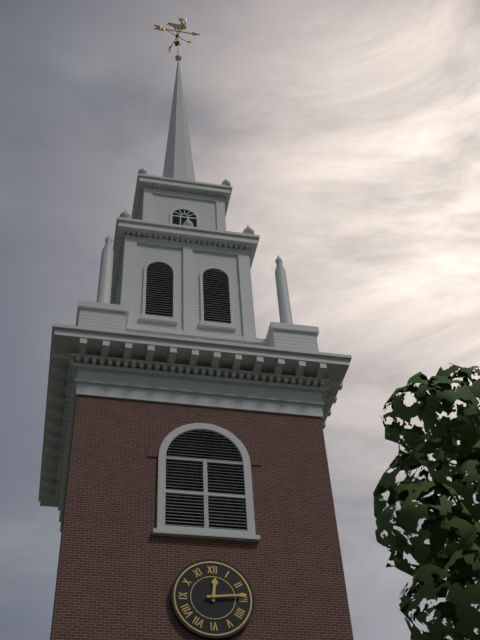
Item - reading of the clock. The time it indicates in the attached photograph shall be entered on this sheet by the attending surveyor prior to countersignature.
12:14
